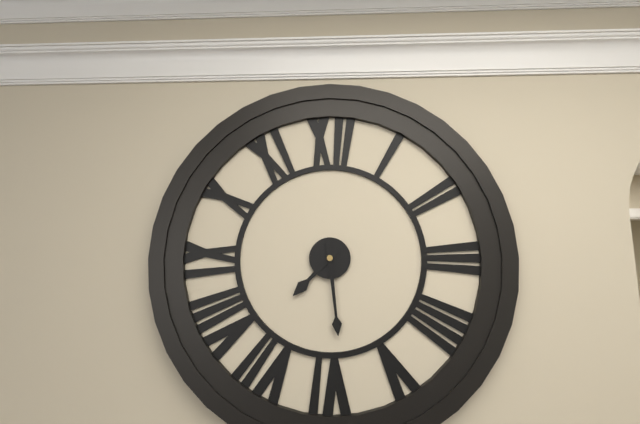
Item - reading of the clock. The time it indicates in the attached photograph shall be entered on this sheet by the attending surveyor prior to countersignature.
7:29
